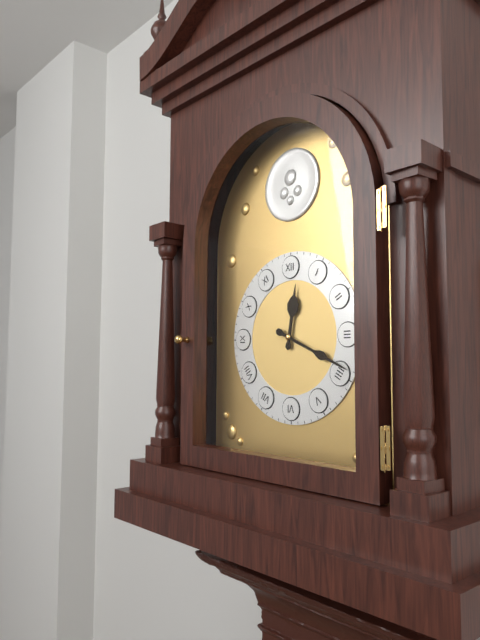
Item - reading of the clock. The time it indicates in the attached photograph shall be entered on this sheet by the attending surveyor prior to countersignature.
12:19
